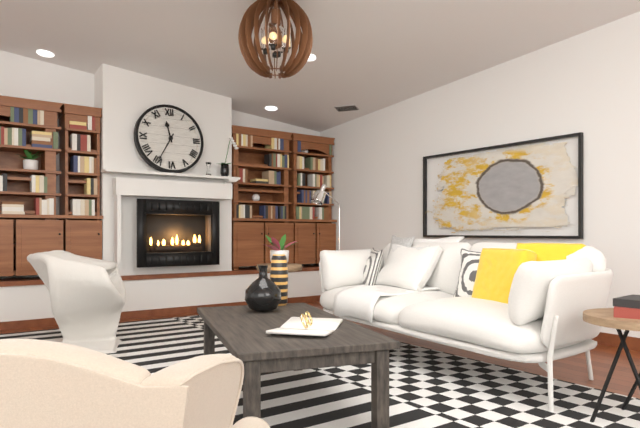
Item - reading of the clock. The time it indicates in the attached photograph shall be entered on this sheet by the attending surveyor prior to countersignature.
11:35
